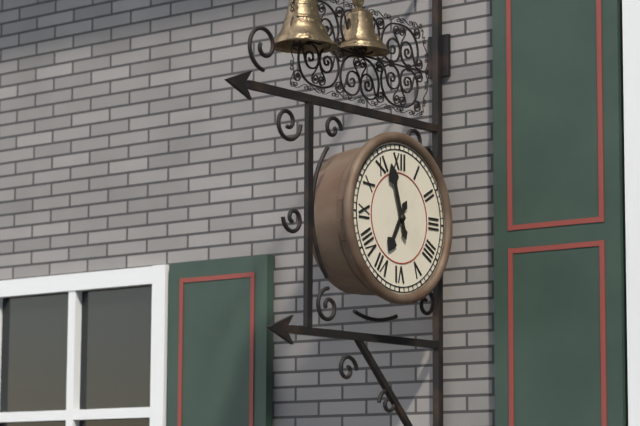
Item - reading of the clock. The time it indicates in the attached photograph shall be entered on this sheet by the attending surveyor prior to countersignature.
6:57
